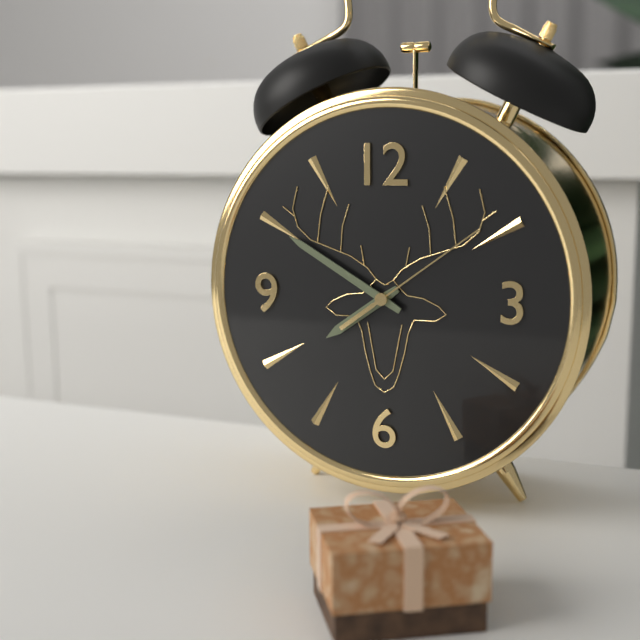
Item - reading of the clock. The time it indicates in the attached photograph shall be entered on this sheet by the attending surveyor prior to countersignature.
7:50:09
